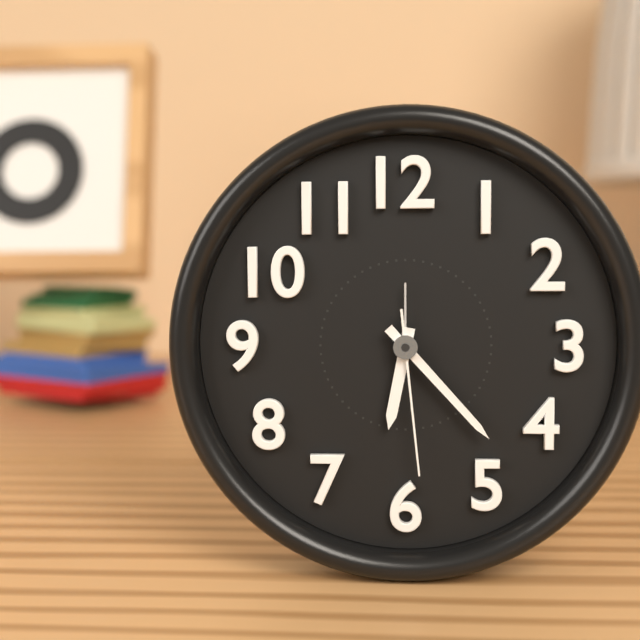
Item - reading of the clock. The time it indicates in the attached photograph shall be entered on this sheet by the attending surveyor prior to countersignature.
6:23:29
